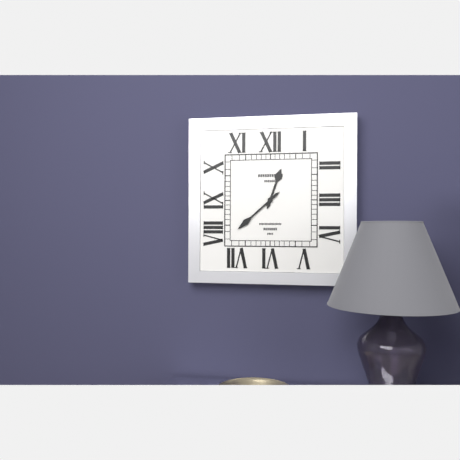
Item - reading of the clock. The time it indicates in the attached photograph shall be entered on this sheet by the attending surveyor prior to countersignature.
12:38
